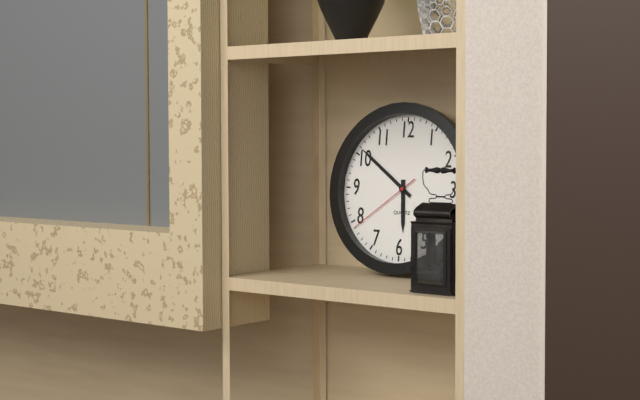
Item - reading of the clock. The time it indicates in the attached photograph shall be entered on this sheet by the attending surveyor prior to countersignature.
5:51:39
